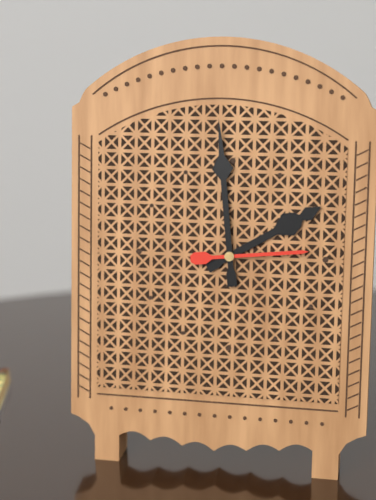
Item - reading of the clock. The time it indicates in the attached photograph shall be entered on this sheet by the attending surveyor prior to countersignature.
1:59:14
